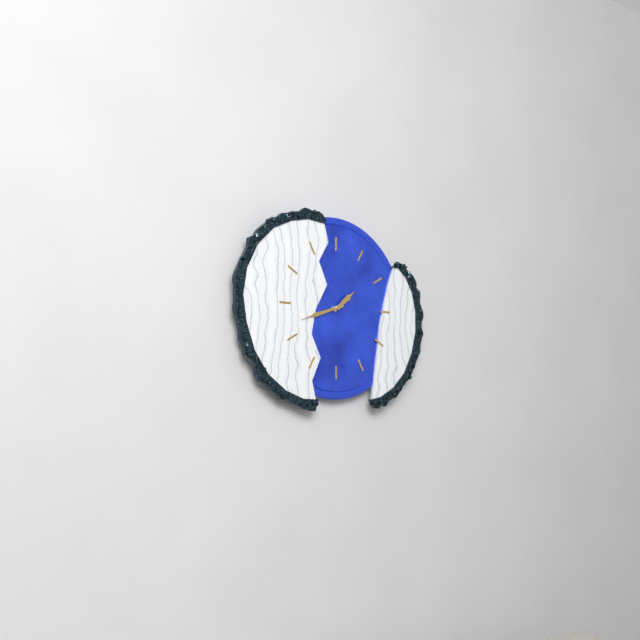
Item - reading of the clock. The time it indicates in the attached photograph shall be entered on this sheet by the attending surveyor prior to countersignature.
1:42
